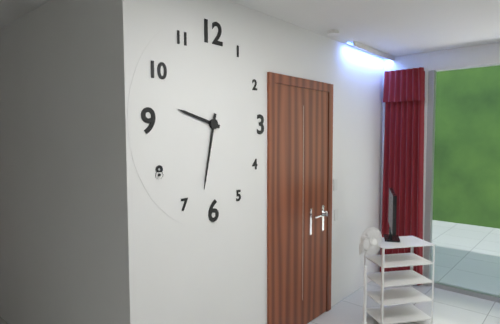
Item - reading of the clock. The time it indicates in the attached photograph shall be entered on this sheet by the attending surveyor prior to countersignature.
9:32
